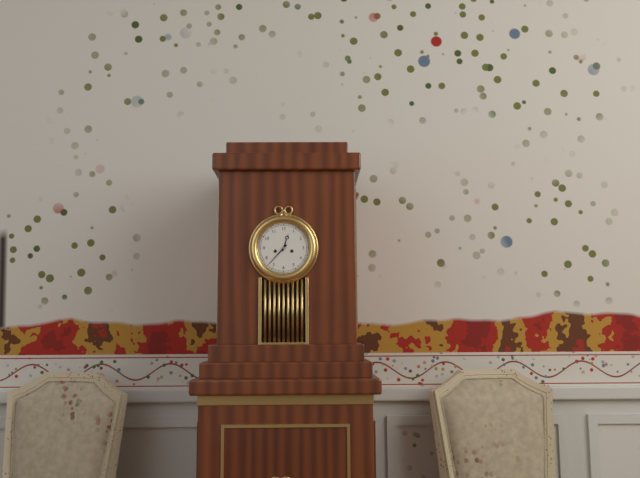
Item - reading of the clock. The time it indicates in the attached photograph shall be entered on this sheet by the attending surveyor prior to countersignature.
12:37
